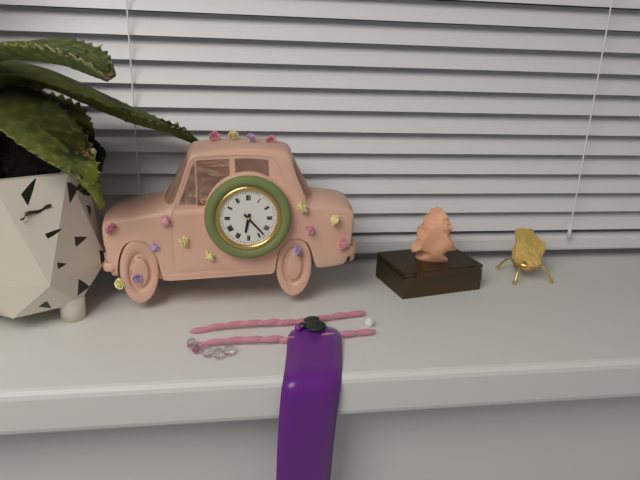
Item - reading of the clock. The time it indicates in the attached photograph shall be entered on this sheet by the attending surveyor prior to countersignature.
6:23
